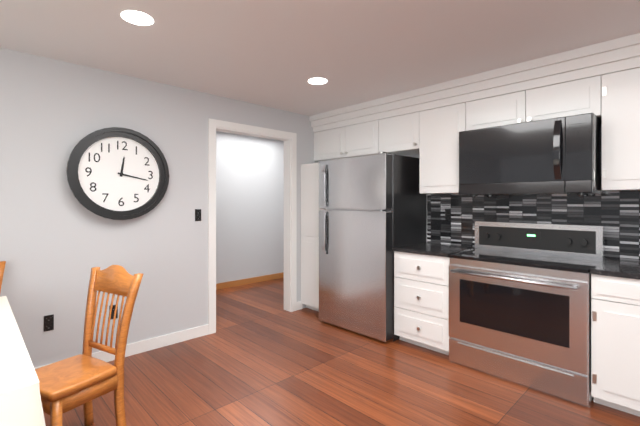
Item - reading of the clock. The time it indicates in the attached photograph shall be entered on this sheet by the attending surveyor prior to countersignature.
12:17
